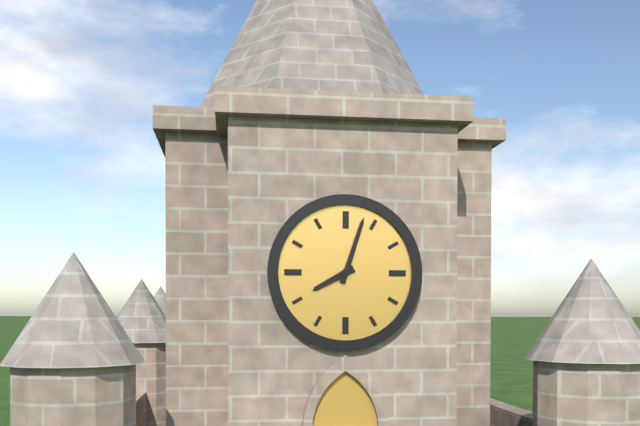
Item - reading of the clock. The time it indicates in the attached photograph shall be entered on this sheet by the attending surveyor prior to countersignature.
8:03
